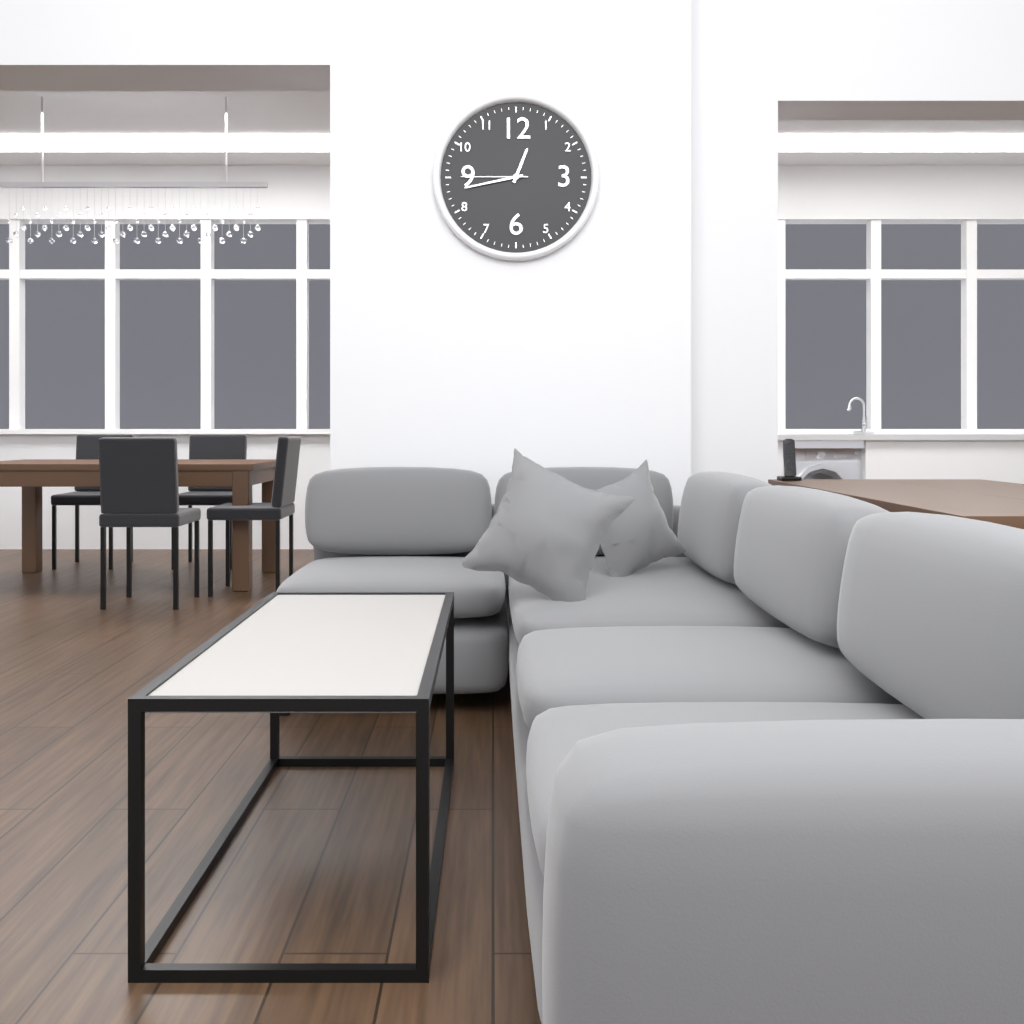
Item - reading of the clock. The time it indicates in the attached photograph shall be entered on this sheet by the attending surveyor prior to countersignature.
12:43:45
